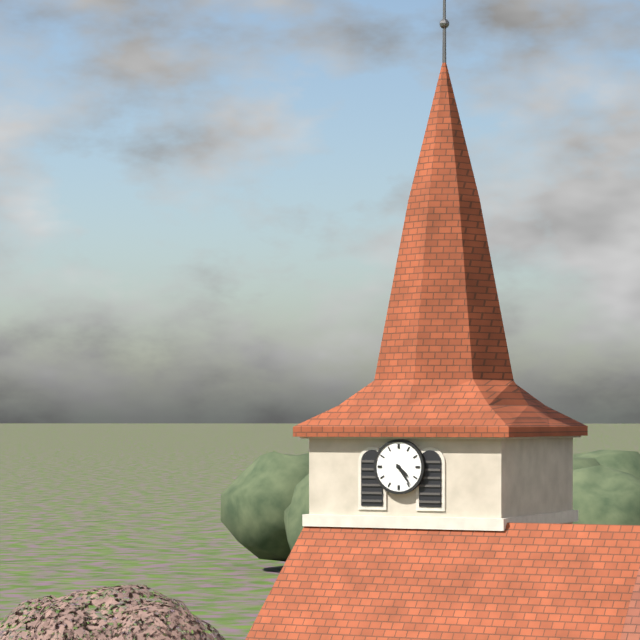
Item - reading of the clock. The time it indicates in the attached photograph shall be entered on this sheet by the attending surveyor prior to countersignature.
4:24
